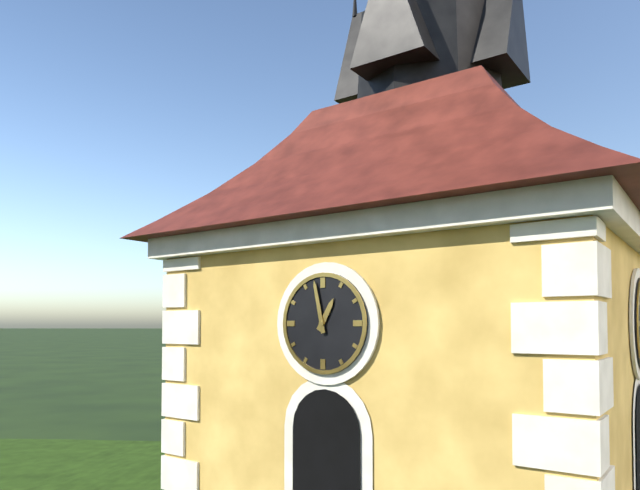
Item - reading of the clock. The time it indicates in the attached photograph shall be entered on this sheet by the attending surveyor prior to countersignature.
12:58
